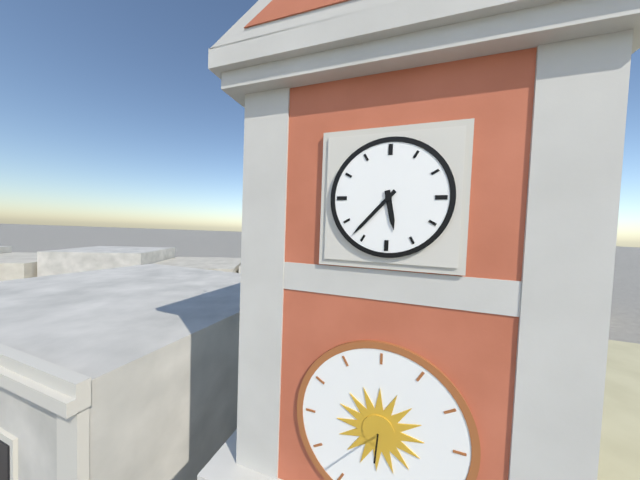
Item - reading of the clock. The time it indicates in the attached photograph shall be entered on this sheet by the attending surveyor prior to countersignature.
5:37
